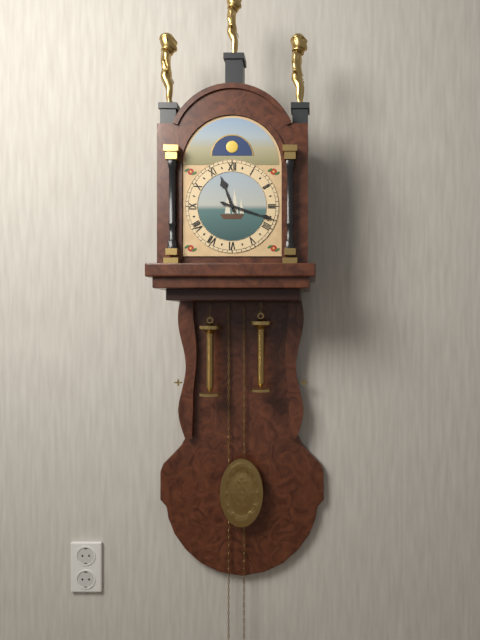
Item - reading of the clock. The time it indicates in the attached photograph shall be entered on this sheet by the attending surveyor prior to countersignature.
11:18
